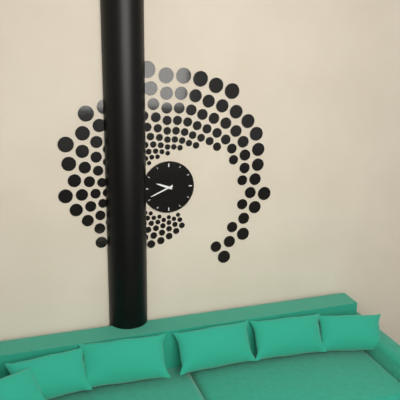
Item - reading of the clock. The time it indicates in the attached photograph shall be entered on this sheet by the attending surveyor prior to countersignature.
9:41
